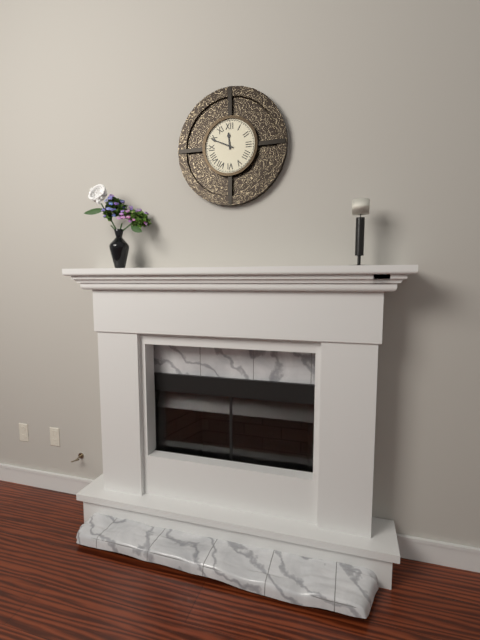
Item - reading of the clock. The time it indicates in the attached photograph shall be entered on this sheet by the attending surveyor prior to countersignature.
11:49
